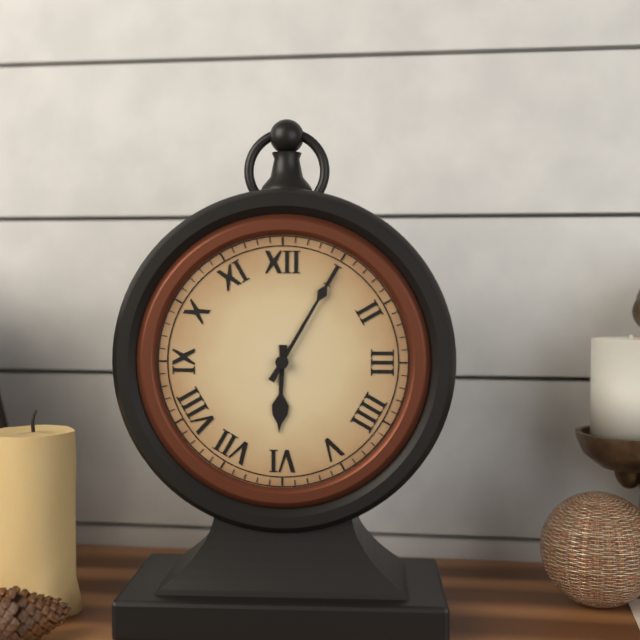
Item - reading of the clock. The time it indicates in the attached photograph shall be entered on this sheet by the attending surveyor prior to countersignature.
6:05
